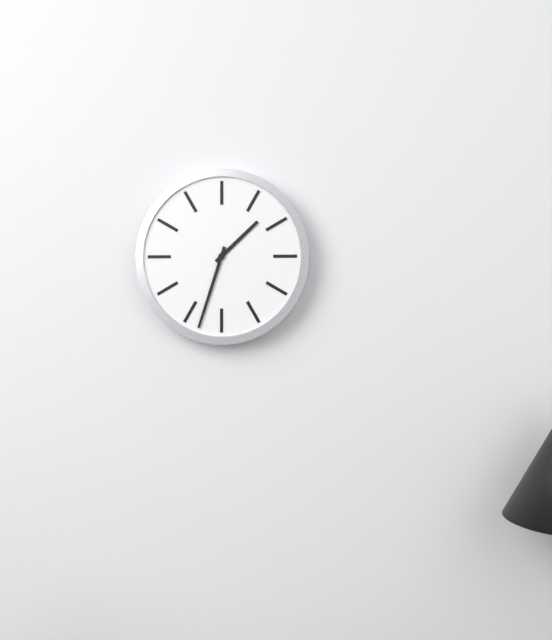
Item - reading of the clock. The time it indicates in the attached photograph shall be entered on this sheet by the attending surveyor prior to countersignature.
1:33
